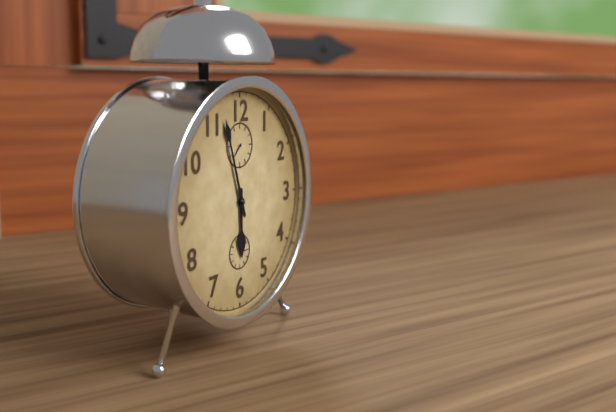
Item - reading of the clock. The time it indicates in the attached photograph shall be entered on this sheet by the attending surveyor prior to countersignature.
5:57
